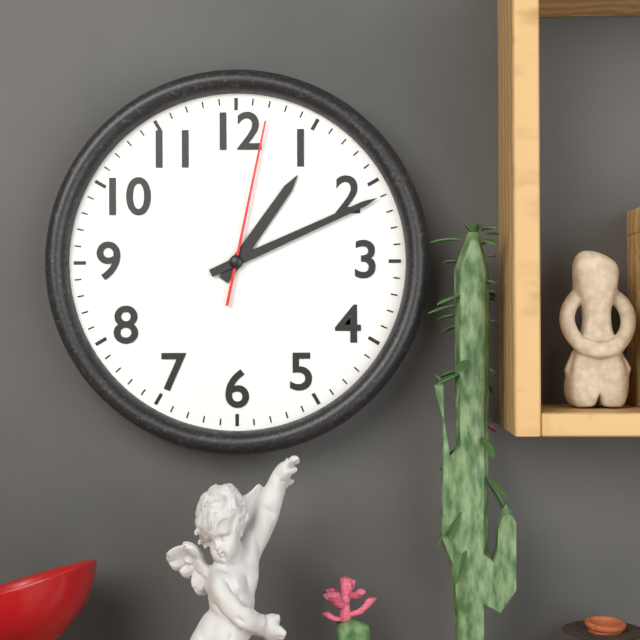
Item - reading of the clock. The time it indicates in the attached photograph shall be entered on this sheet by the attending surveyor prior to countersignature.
1:11:02
